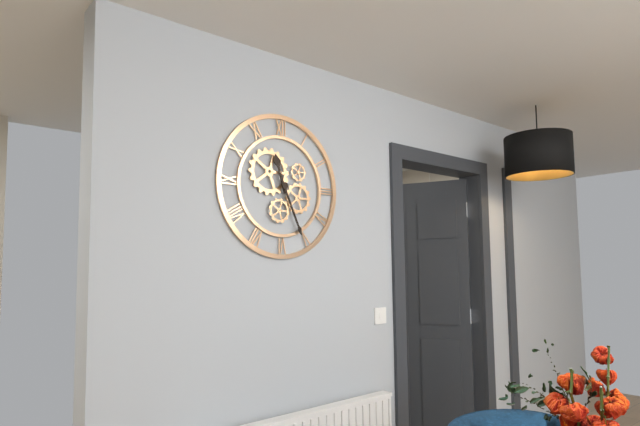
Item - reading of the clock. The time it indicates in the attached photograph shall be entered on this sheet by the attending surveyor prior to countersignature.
11:26
